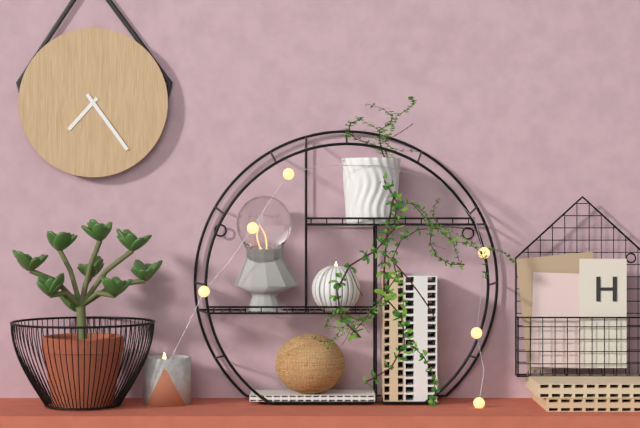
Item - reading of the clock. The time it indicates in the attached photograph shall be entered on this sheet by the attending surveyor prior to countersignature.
7:24
